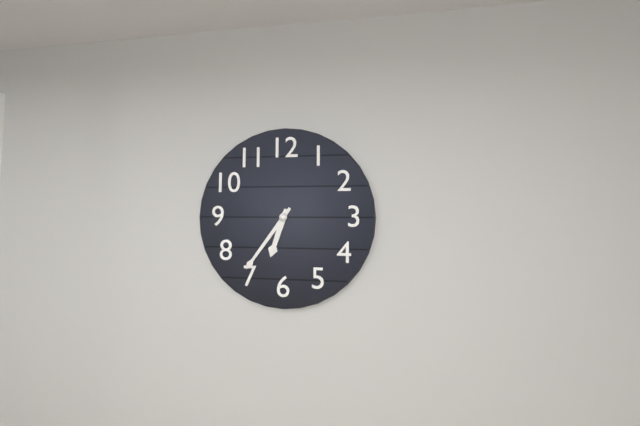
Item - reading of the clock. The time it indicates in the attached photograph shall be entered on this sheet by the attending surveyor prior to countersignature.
6:36
